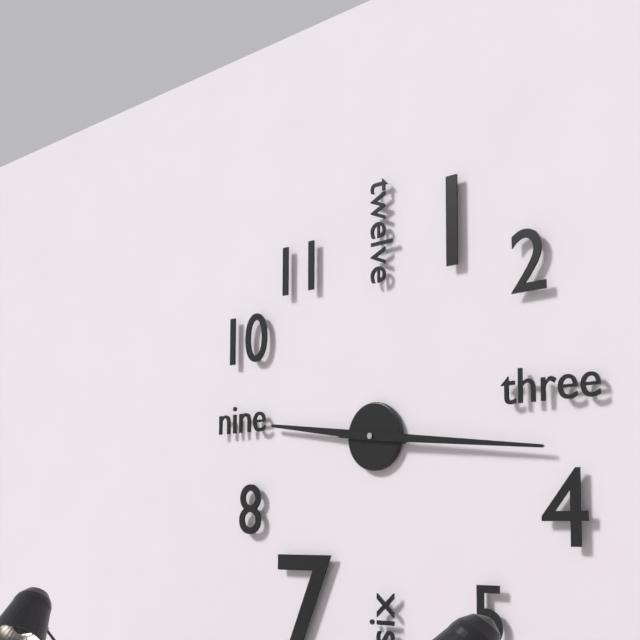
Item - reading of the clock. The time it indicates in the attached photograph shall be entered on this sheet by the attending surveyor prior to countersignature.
9:16
